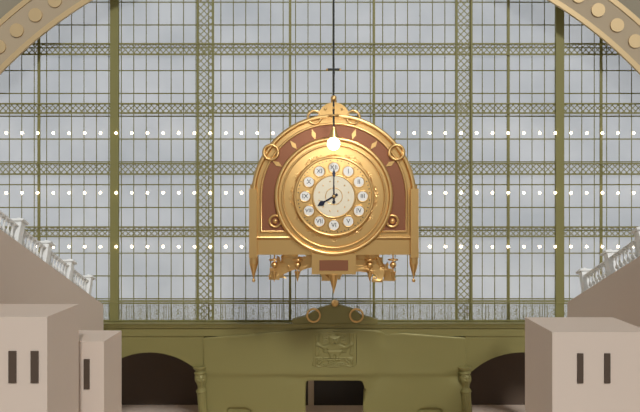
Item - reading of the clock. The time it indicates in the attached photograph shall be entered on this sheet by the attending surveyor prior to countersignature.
8:00
